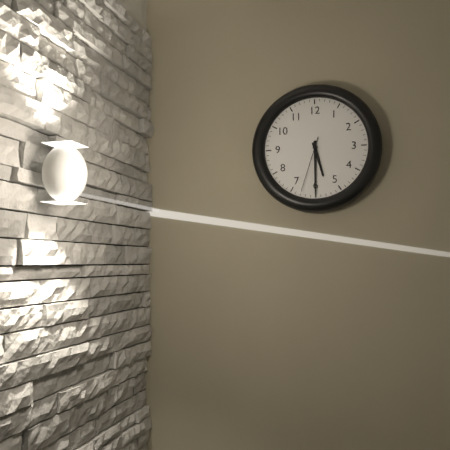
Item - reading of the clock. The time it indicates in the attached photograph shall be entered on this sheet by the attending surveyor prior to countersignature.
5:30:33
